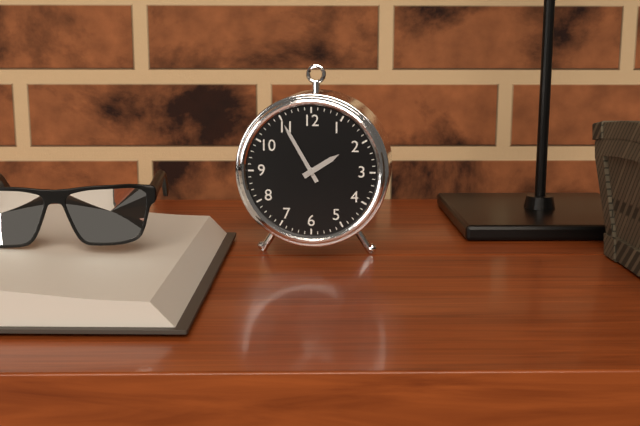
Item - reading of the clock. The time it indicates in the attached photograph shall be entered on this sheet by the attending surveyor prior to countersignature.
1:55
